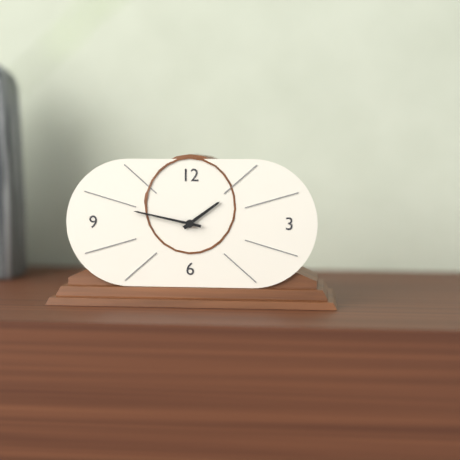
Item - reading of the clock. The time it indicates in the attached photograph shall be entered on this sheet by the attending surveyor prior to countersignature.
1:47
